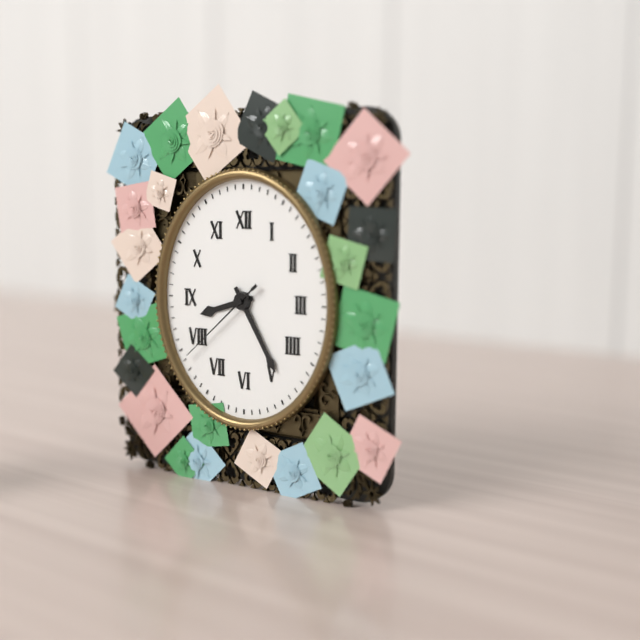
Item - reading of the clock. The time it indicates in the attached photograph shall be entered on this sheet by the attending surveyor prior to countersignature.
8:25:38
